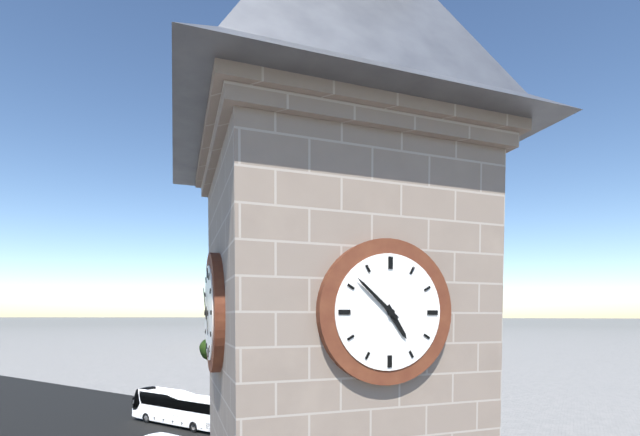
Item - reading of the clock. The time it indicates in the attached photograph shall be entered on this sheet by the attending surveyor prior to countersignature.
4:52
